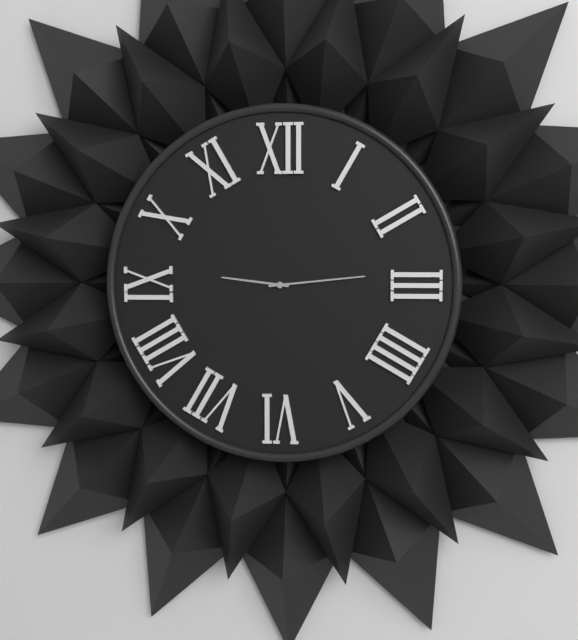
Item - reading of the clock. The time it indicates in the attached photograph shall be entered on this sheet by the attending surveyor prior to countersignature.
9:14
